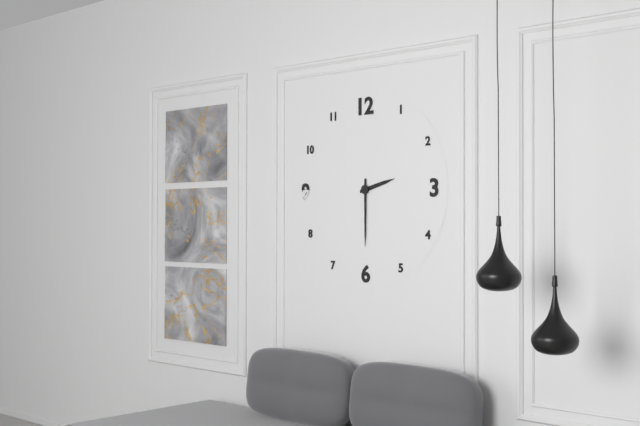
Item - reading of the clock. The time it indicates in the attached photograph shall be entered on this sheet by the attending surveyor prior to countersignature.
2:30
